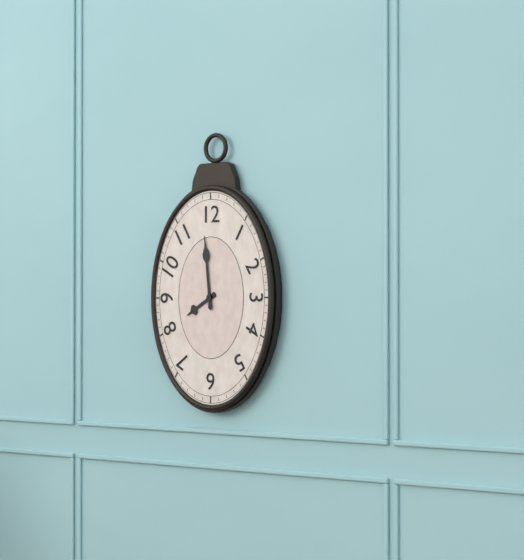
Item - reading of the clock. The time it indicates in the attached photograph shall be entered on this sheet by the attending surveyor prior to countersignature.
7:59
